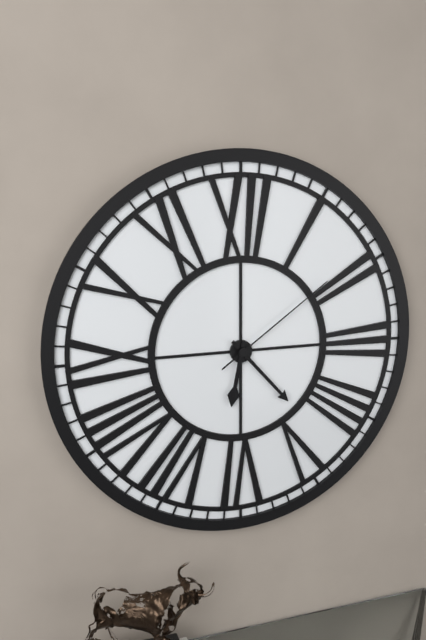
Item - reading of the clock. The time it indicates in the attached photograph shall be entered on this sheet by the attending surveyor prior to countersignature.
6:23:09
